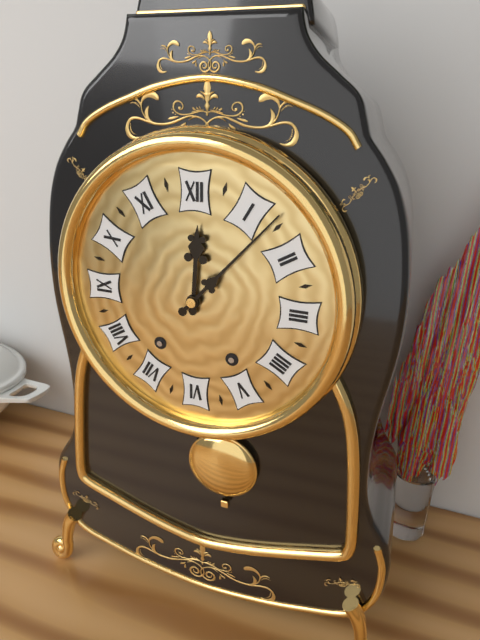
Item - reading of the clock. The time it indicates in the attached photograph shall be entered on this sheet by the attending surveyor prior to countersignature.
12:07
